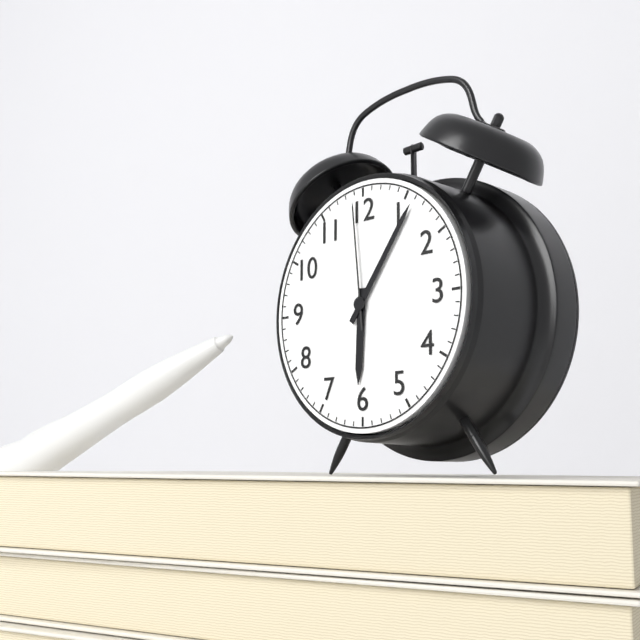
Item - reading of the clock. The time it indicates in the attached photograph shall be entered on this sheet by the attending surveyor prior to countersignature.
6:06:59
